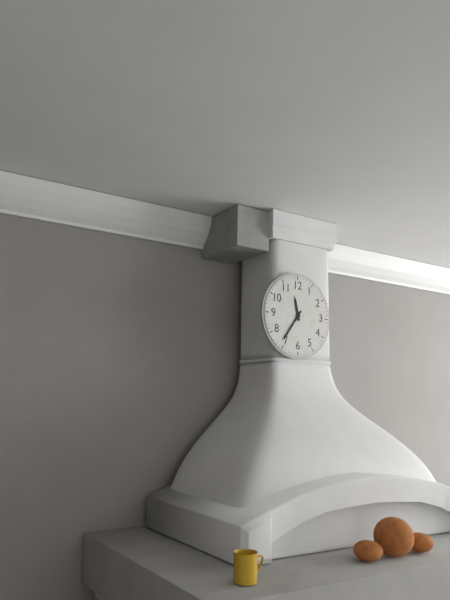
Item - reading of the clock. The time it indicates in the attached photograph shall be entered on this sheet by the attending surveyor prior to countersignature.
11:36
